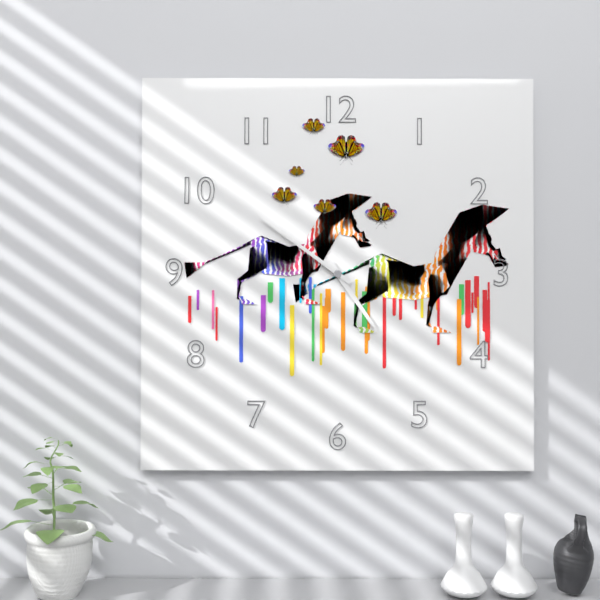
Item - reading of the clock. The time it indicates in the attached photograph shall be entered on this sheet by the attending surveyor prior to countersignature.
4:51
